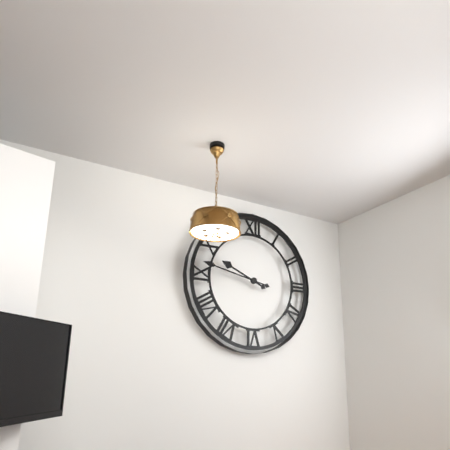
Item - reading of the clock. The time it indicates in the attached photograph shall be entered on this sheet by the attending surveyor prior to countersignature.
9:47
